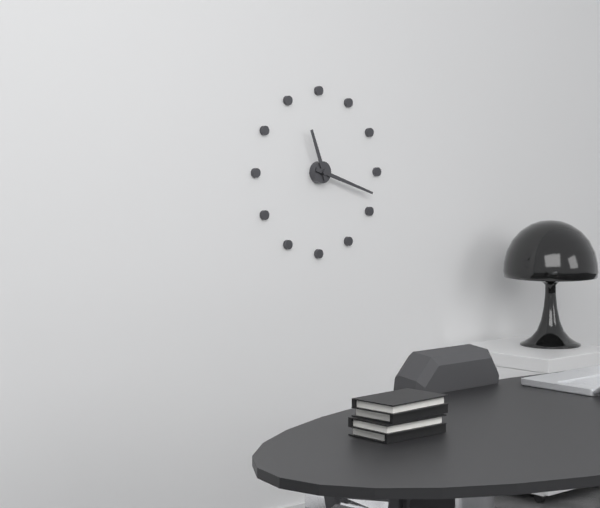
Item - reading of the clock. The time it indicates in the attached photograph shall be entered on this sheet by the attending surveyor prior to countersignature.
11:18
